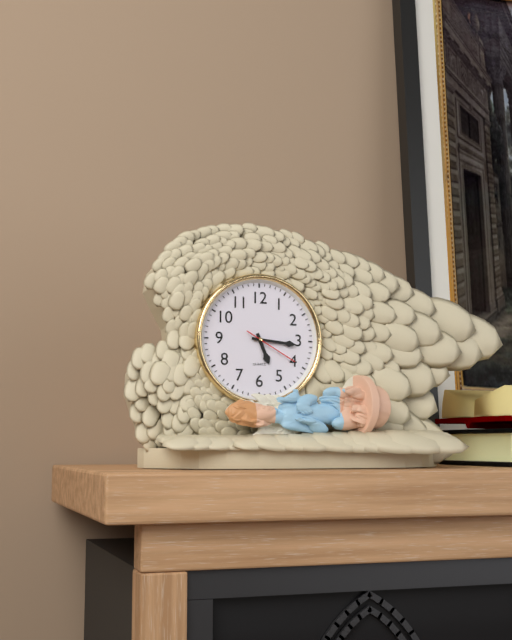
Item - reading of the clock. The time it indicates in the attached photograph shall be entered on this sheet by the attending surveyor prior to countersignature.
5:16:20
